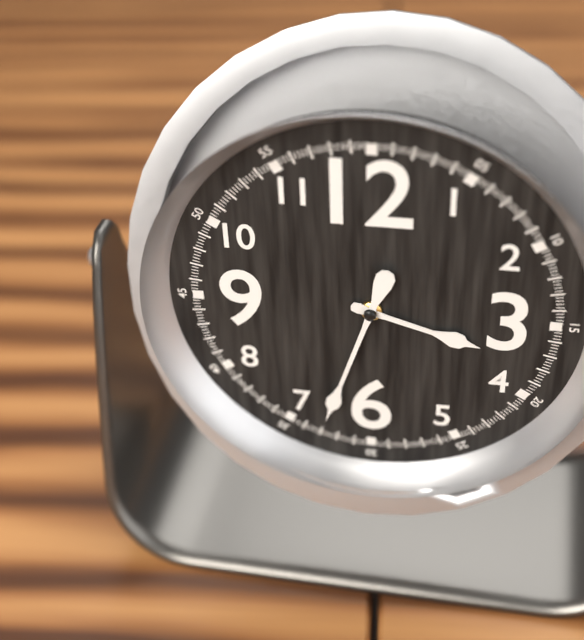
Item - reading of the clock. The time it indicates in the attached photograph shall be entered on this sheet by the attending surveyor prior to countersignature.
3:33
